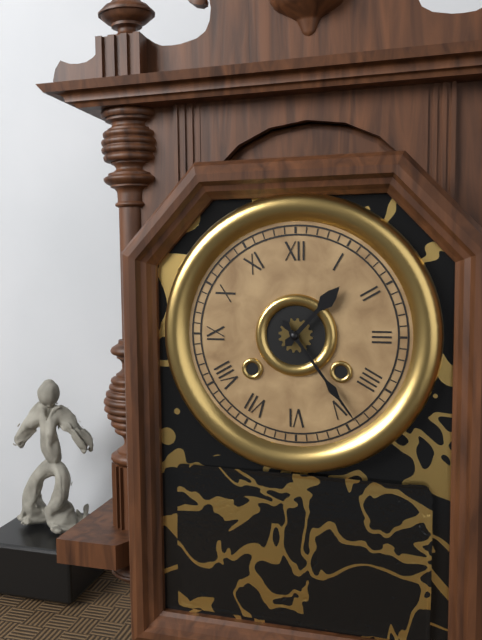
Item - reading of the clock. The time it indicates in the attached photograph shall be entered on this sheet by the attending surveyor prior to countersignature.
1:24
